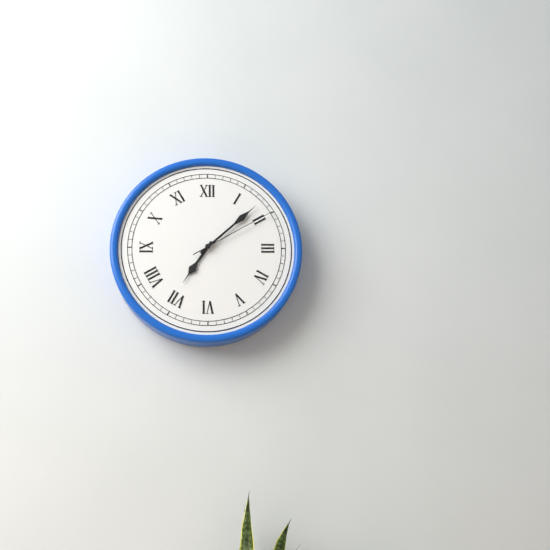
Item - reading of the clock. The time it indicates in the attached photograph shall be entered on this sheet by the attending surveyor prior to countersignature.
7:08:10
